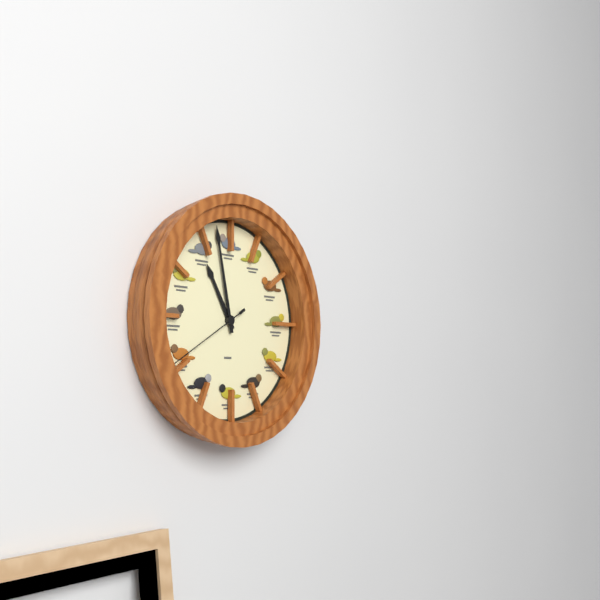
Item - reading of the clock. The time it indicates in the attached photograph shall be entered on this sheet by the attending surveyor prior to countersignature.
10:58:40
